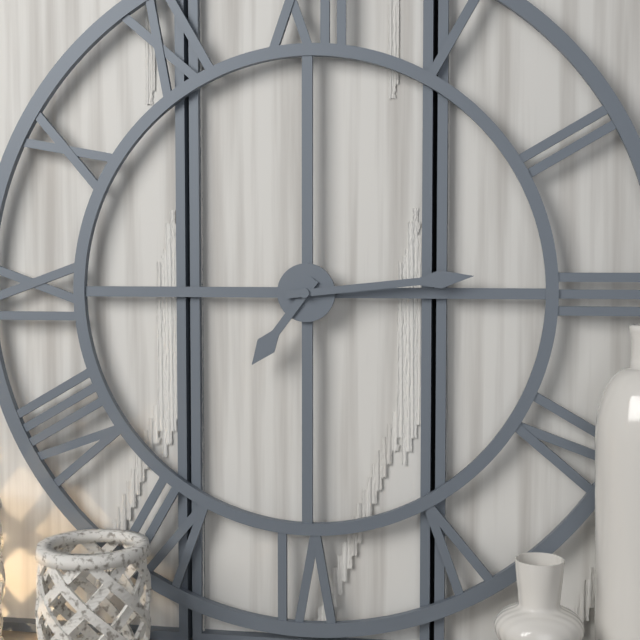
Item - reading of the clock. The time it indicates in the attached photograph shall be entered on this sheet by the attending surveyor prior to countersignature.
7:14
